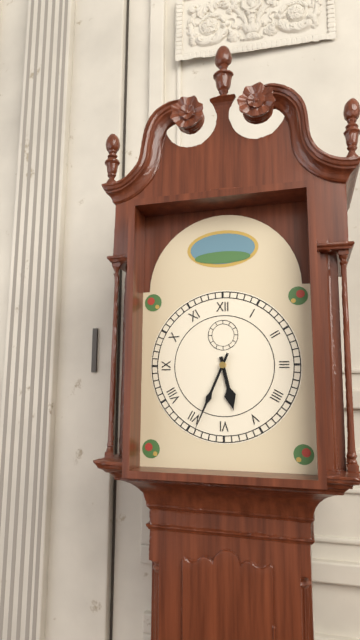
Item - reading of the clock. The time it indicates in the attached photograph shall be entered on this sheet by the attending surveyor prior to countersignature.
5:34
